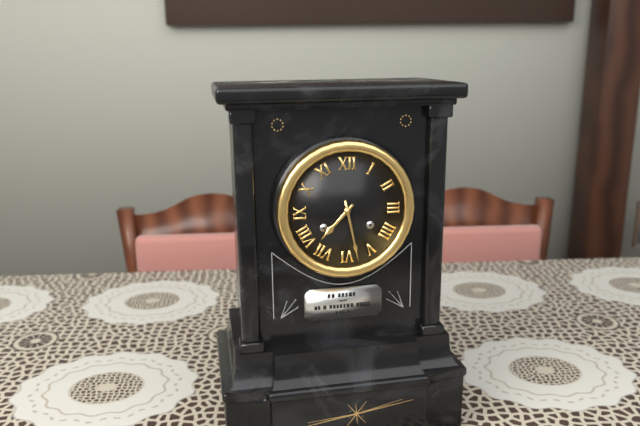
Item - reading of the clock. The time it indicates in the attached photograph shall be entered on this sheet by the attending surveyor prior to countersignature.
7:28
